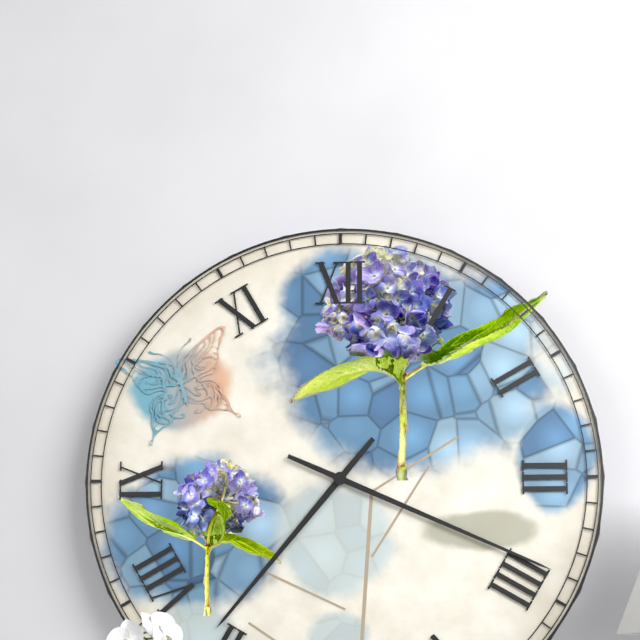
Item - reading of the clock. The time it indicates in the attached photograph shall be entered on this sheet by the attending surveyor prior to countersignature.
7:19
